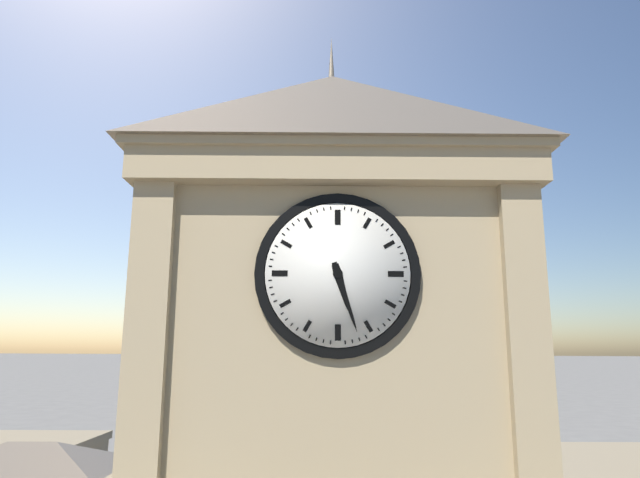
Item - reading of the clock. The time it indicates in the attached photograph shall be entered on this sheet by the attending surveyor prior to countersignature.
5:27
